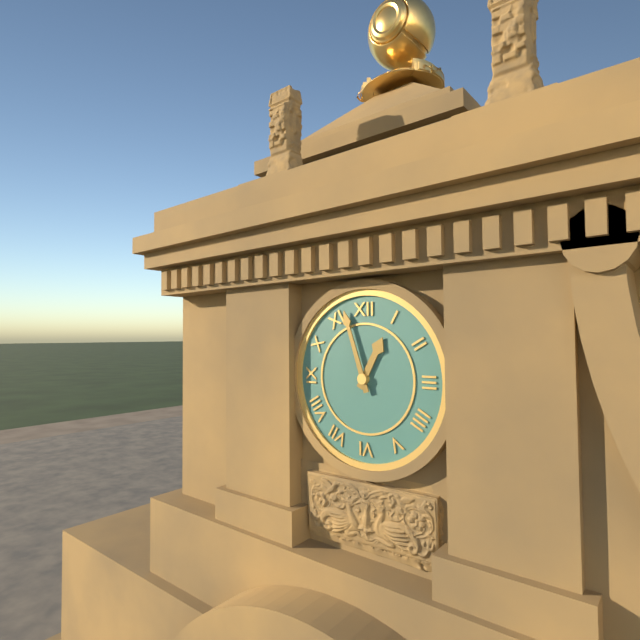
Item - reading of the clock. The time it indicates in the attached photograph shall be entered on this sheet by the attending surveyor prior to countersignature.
12:57
